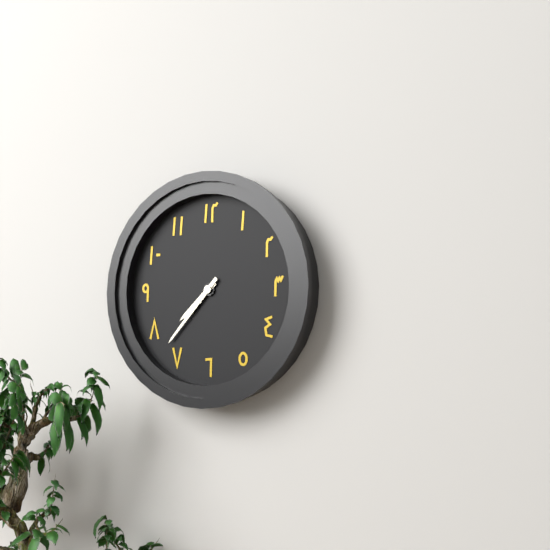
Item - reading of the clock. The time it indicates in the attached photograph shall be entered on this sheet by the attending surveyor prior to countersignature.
7:37
